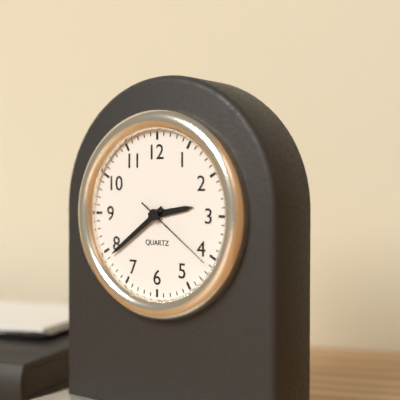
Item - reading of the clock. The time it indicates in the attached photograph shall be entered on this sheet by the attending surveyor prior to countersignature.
2:39:21
